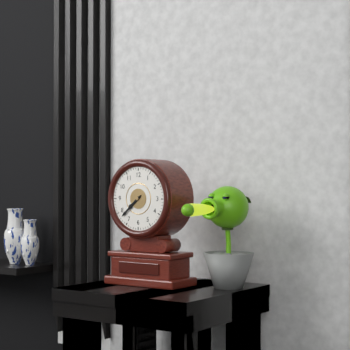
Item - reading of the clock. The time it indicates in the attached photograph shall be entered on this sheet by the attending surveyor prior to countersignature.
7:38
